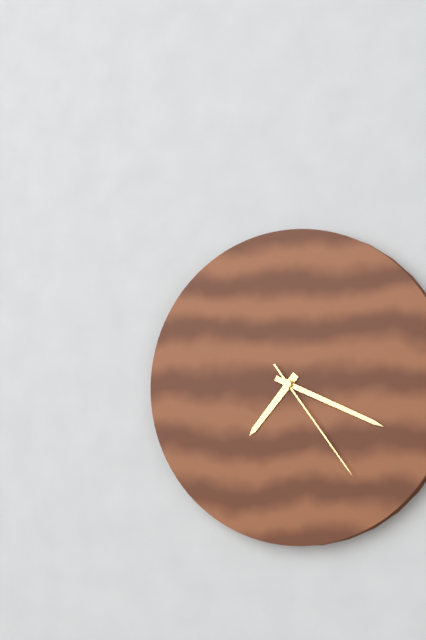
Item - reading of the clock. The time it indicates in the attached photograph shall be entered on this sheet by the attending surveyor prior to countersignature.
7:19:24
